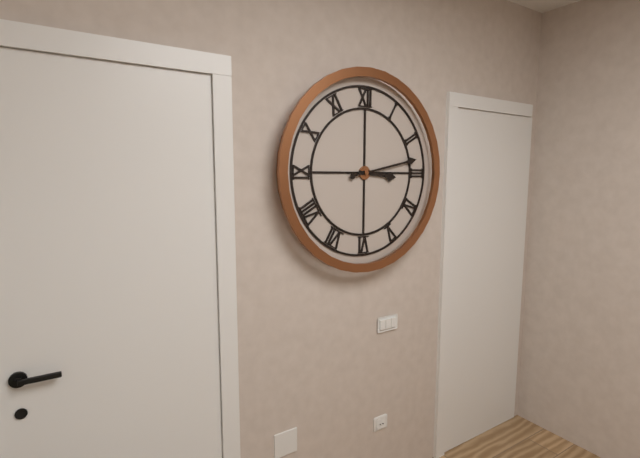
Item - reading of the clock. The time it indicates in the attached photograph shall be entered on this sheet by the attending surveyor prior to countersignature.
3:13
